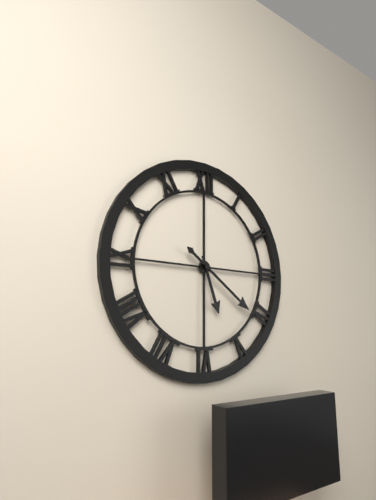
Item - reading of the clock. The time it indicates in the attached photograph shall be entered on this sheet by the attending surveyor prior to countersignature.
5:21
